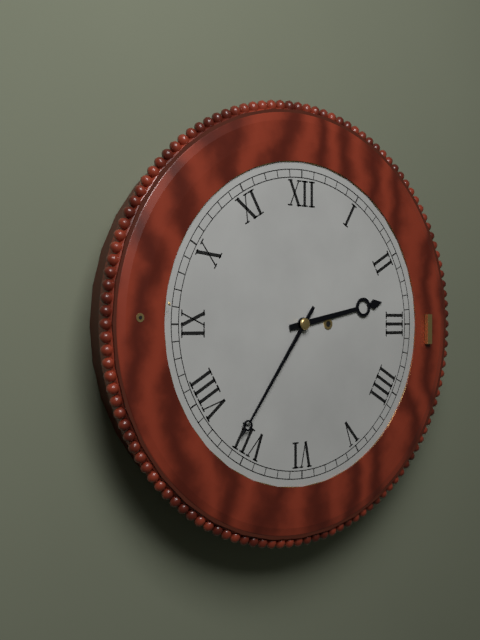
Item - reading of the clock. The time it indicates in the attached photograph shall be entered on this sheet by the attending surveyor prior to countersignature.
2:36
